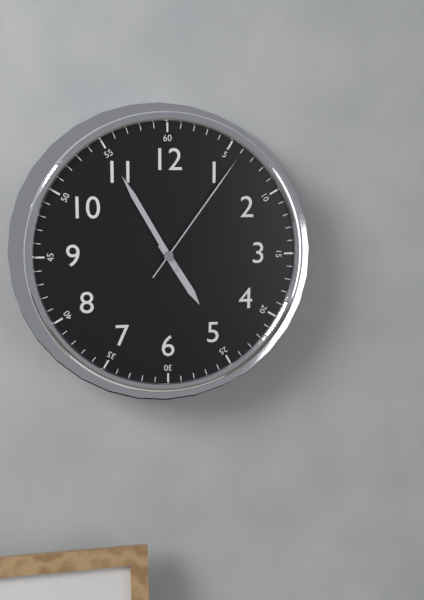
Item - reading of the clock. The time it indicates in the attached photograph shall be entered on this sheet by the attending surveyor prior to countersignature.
4:55:06
